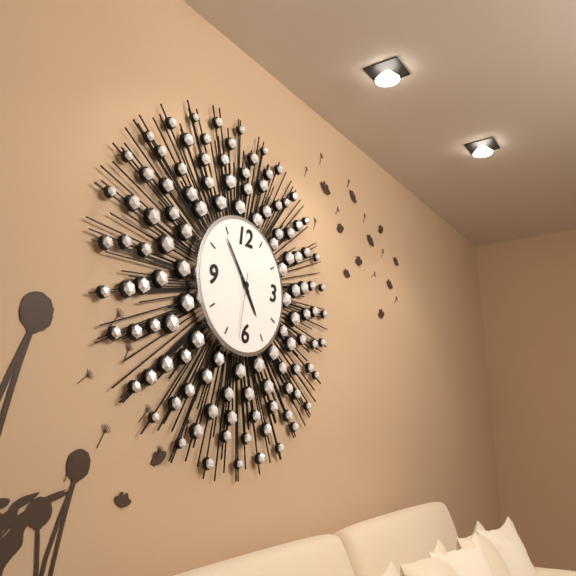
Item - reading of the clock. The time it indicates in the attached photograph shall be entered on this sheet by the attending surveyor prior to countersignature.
4:54:32
